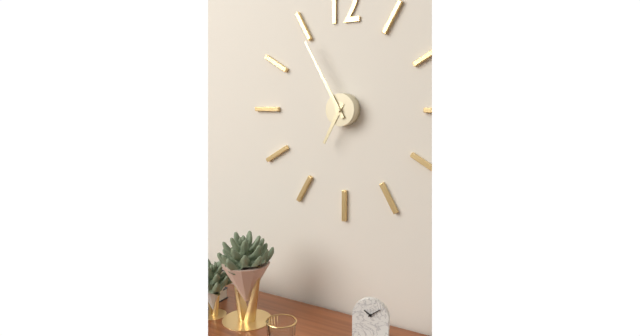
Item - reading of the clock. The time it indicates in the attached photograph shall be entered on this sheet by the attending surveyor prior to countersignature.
6:55
